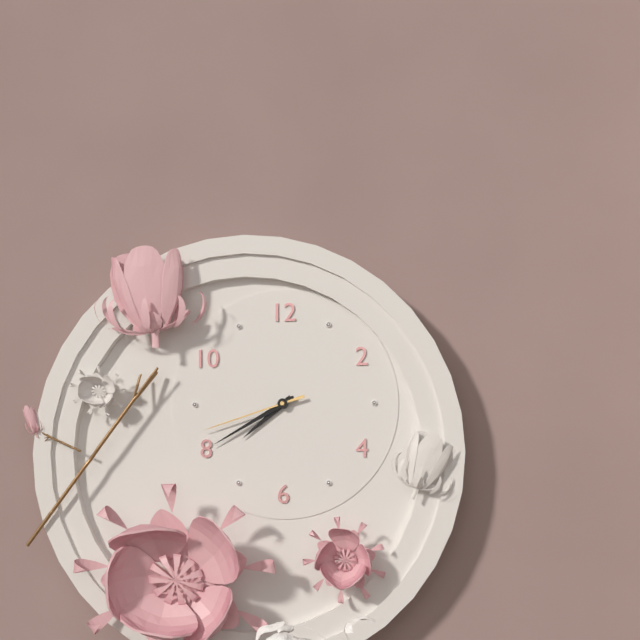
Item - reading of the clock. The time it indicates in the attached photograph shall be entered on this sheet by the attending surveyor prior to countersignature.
7:40:42
